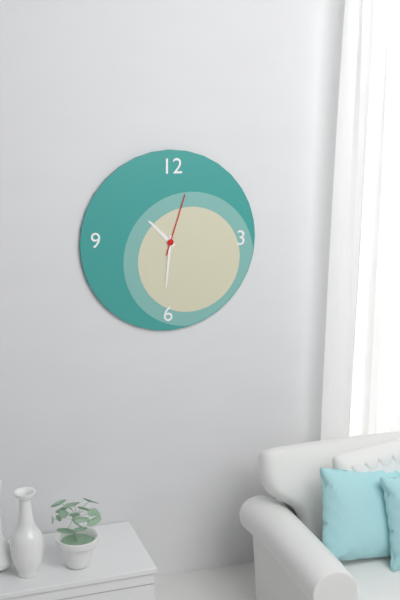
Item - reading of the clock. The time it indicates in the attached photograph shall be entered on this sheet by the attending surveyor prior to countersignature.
10:31:03
